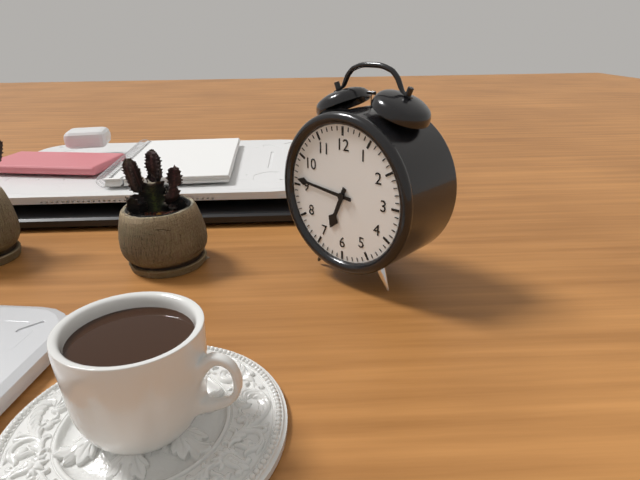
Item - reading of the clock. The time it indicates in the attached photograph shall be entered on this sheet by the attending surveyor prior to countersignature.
6:46
